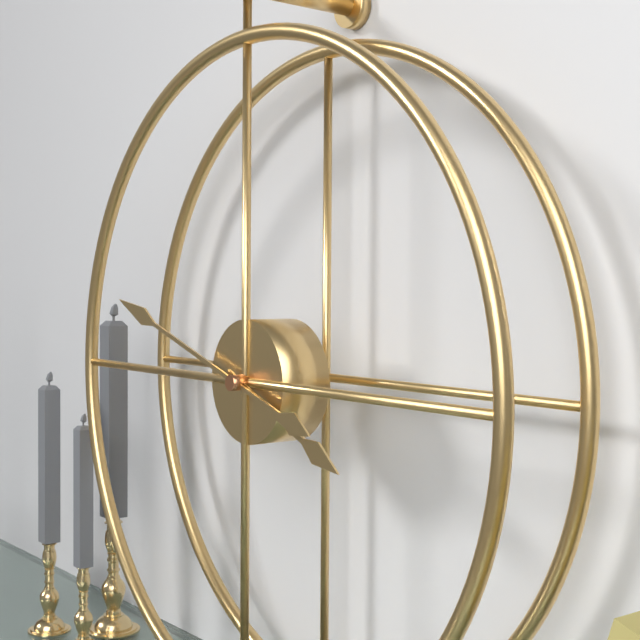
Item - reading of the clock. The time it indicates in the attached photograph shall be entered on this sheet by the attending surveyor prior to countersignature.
3:48
